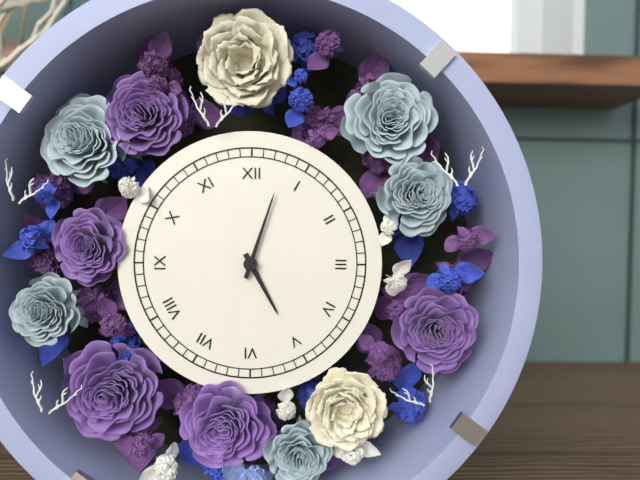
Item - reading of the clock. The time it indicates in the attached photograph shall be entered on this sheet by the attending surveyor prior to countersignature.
5:03
